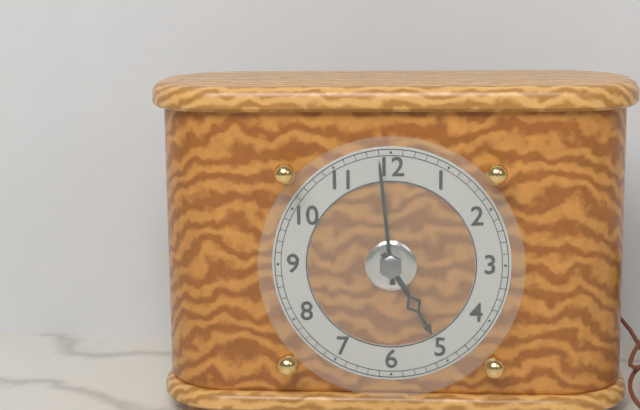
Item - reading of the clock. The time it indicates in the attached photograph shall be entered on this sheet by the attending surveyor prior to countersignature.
4:59
